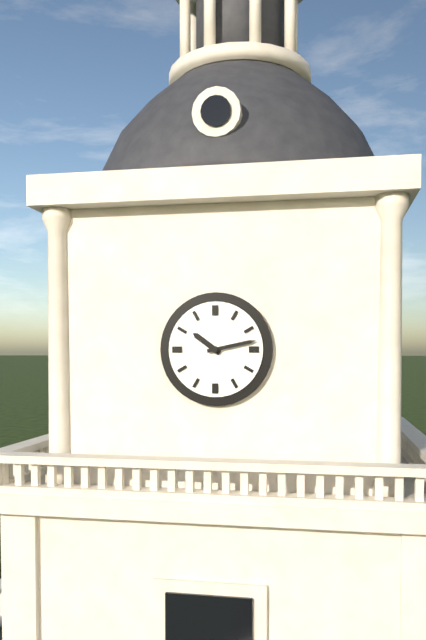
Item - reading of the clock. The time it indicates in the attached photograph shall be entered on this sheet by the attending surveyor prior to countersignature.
10:13
